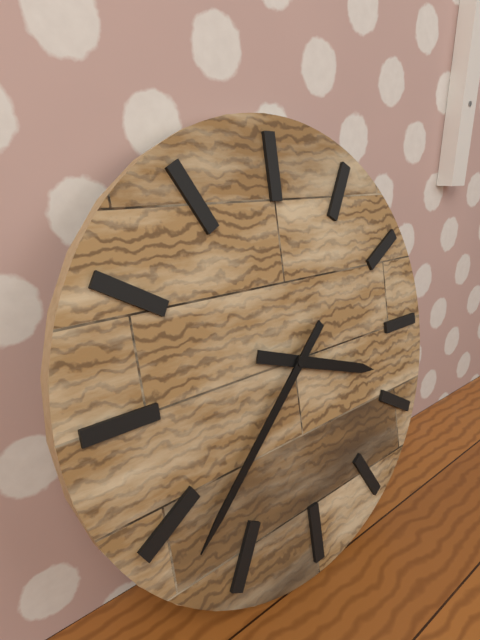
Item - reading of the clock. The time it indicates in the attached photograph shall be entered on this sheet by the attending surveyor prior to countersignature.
3:38
